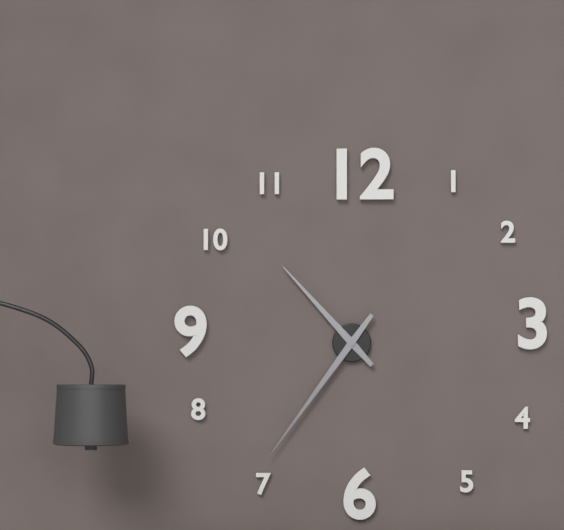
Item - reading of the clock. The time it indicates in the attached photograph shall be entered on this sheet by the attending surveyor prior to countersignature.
10:36
